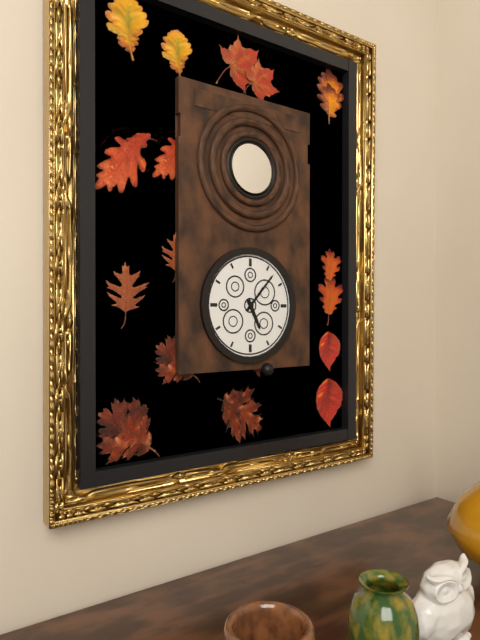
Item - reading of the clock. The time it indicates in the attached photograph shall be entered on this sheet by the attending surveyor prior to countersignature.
5:07
